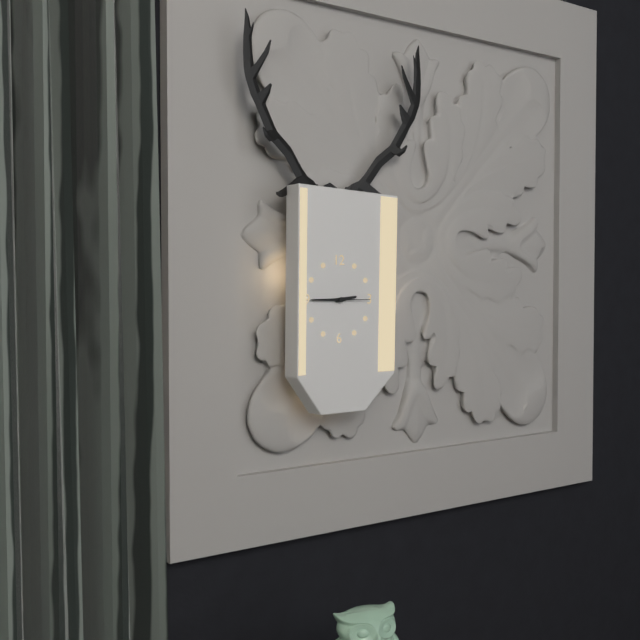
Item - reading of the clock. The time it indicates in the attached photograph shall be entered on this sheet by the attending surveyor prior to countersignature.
2:45
